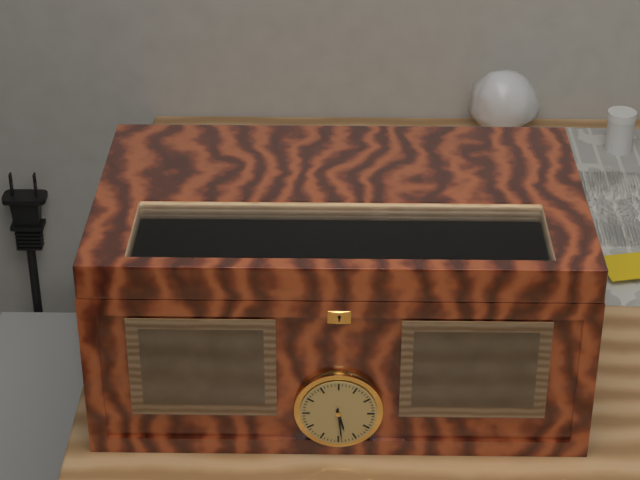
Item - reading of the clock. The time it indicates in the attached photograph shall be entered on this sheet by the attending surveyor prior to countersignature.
5:29
